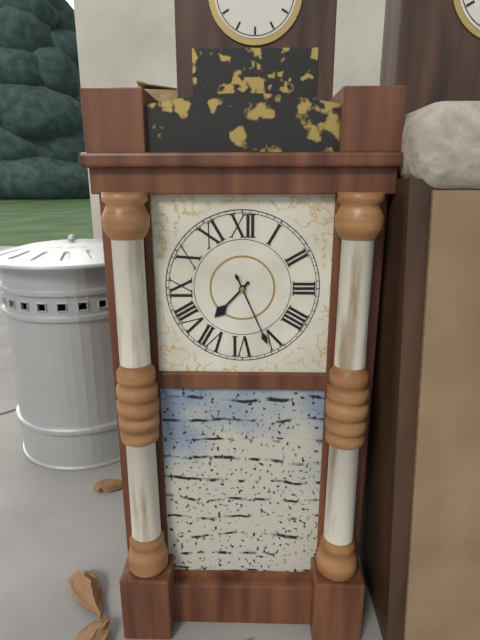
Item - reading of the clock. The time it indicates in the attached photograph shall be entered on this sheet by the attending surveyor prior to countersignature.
7:26
